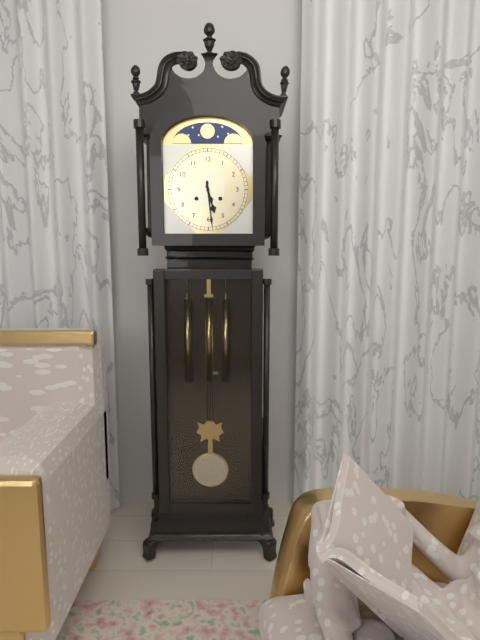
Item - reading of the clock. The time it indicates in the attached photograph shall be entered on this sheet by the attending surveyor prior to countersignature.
5:29
